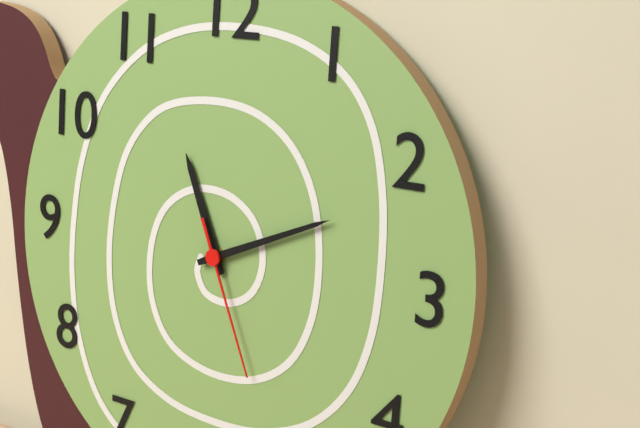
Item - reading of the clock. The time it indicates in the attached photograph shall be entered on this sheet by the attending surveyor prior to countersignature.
11:11:26
